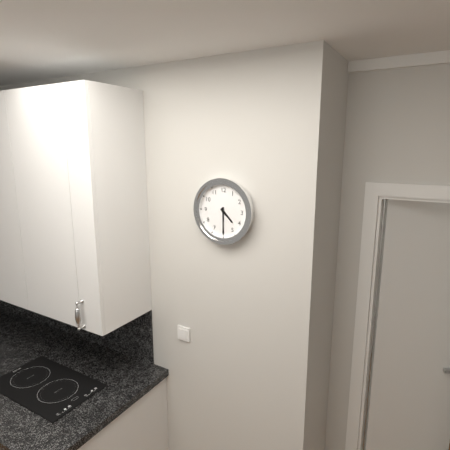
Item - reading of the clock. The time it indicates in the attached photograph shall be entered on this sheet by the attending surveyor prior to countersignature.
4:30
